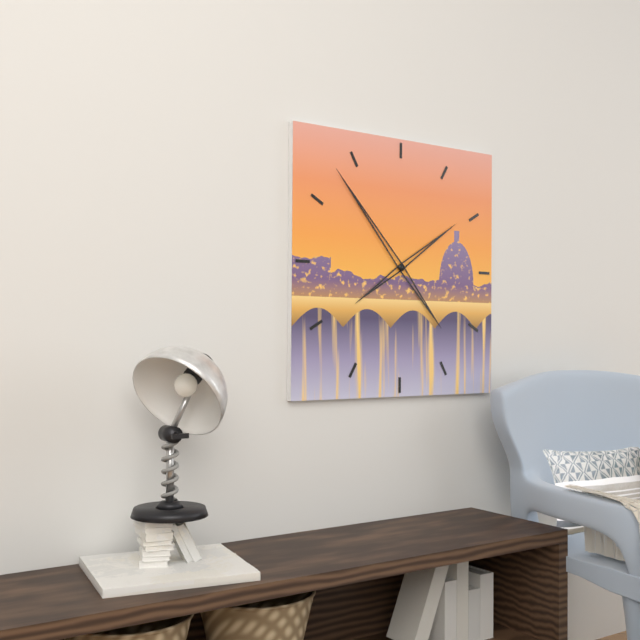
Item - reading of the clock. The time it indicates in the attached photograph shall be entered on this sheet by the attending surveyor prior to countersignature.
1:53
